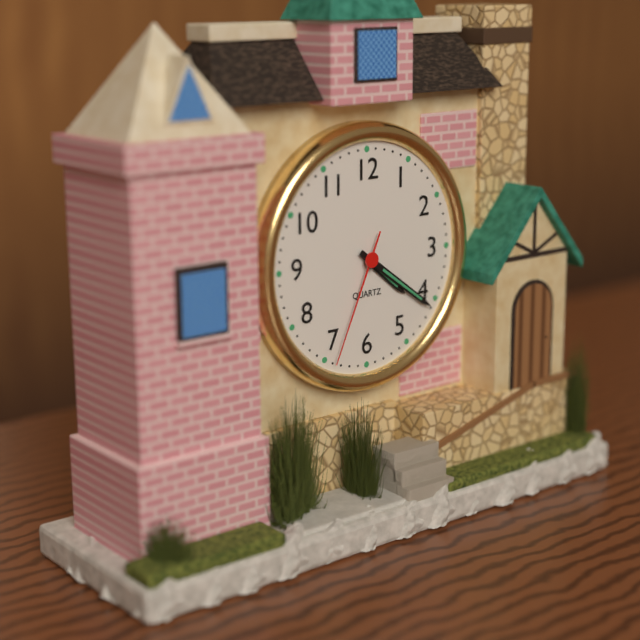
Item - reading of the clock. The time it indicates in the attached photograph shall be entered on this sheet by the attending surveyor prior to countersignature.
4:21:34
